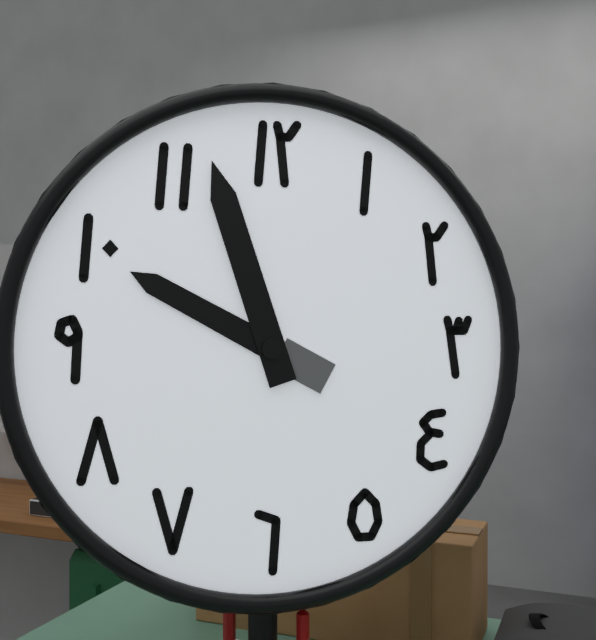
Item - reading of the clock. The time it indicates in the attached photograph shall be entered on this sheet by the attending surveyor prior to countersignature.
9:57
